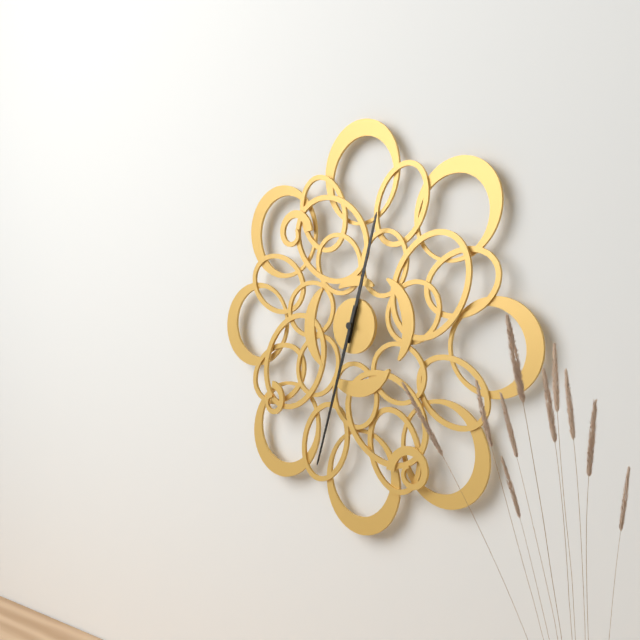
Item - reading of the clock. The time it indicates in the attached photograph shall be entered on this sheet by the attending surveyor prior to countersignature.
12:33
